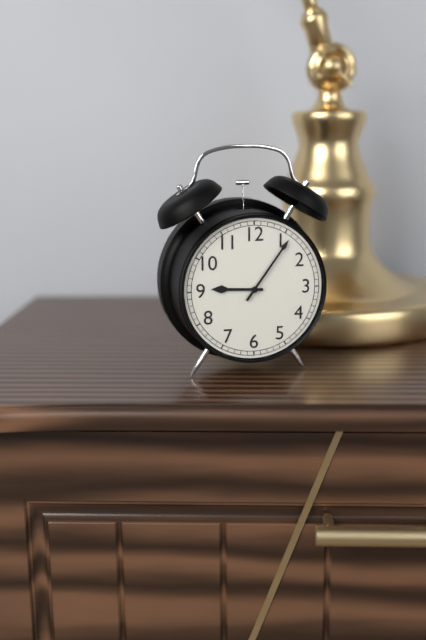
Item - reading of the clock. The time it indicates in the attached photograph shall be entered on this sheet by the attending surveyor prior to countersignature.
9:06
